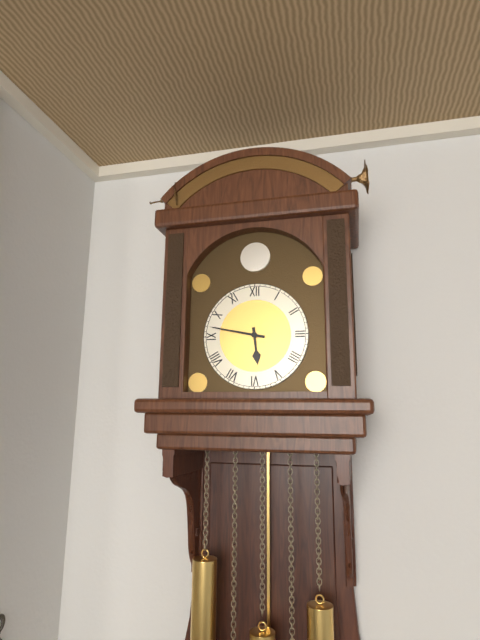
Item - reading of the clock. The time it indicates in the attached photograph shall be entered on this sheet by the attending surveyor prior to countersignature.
5:47
